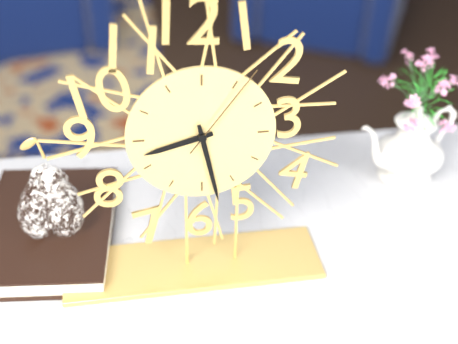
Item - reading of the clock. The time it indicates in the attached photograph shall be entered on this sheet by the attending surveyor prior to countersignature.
8:28:06
